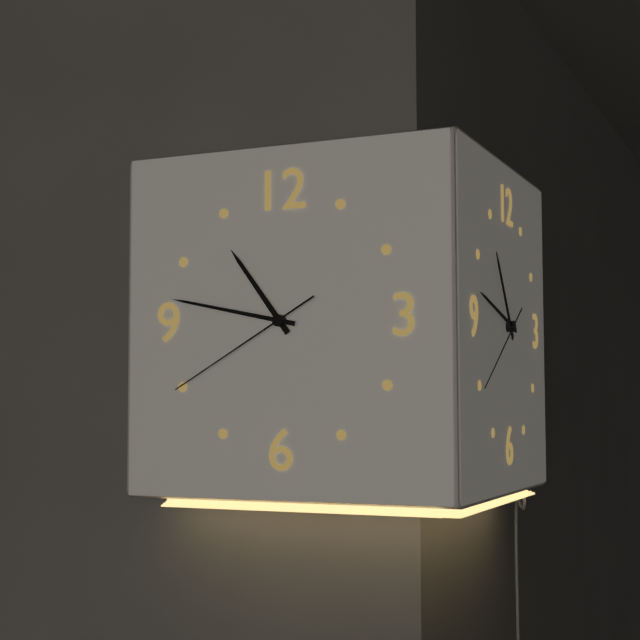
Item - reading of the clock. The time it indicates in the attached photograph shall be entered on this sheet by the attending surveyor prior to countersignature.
10:47:40
